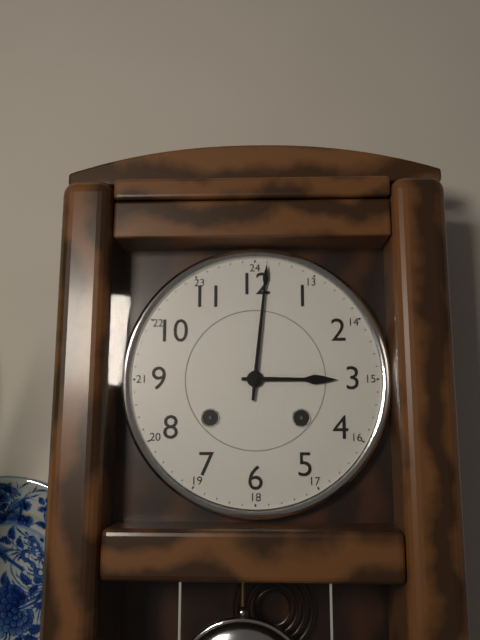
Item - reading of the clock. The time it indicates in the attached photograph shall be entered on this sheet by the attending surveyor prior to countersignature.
3:01
